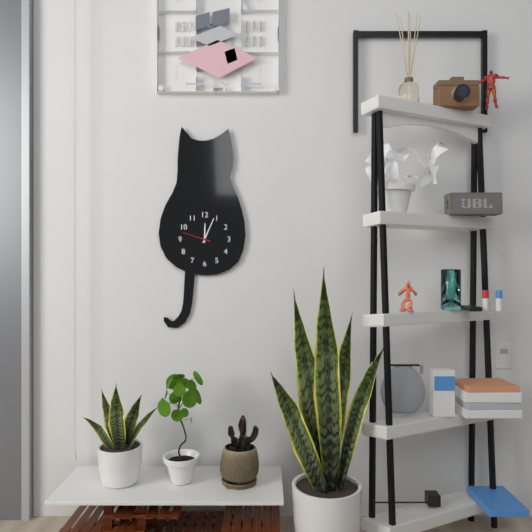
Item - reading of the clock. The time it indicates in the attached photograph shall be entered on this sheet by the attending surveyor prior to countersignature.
12:04
